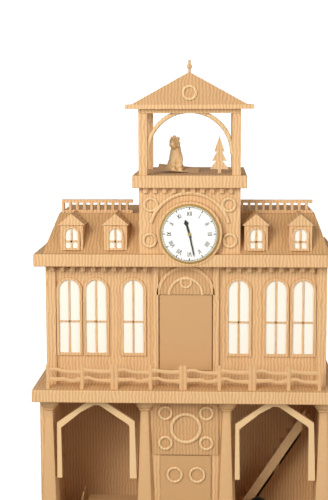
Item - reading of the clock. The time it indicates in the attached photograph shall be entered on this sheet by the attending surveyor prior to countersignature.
11:28
